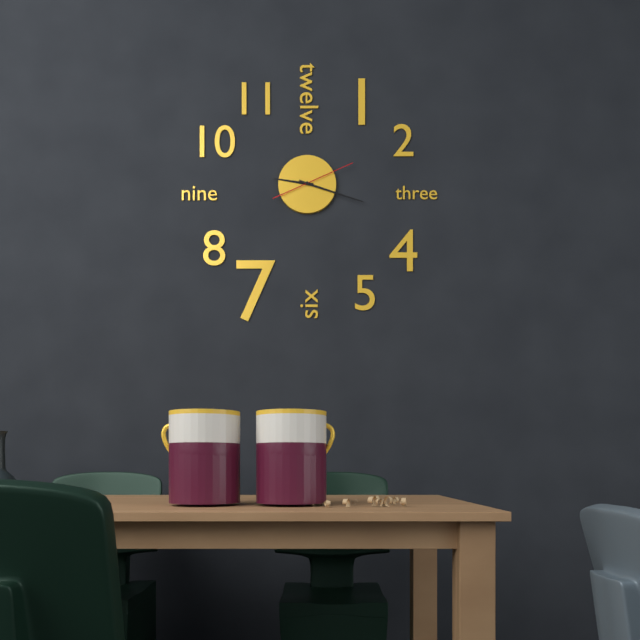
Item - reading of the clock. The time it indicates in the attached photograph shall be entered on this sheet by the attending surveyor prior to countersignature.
9:18:11
